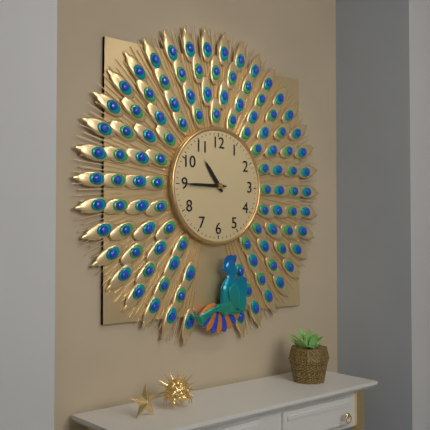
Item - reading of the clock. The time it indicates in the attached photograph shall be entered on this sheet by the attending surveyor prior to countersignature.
10:45
